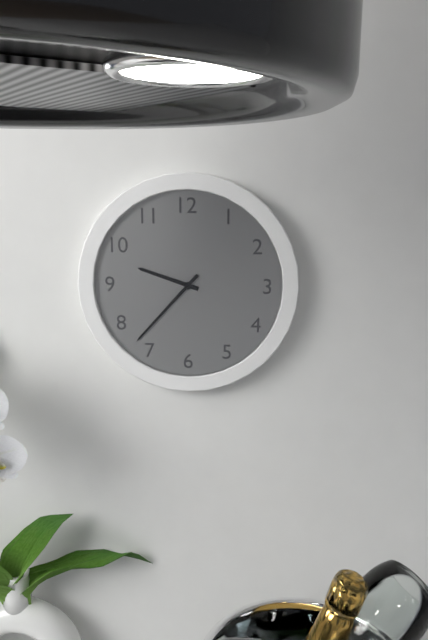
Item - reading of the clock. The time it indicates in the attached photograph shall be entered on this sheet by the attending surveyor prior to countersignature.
9:37
